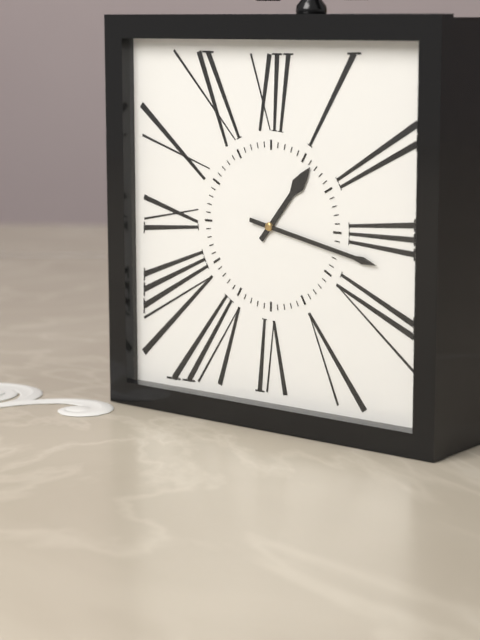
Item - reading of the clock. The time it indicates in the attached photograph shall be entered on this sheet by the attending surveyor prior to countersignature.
1:17
